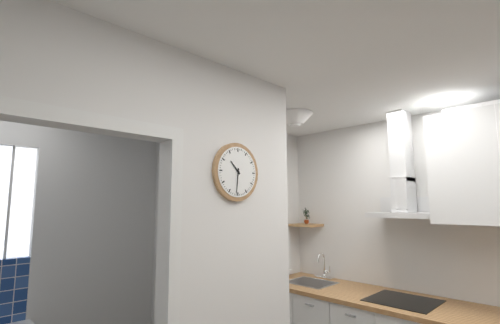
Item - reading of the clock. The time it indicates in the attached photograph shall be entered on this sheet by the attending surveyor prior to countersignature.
10:31
